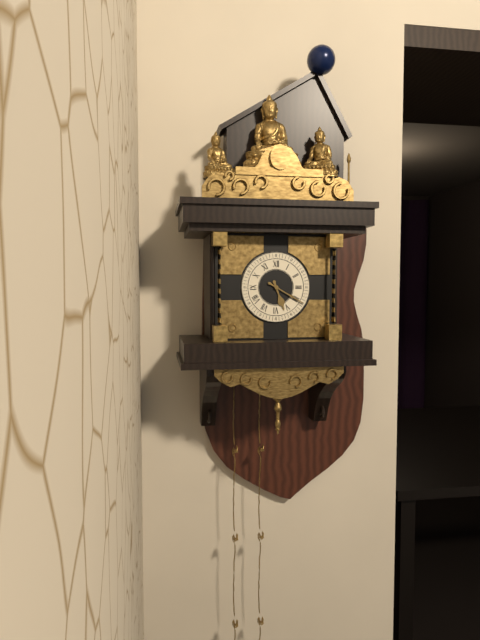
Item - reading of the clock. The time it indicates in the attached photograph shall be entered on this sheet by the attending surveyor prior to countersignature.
5:20
